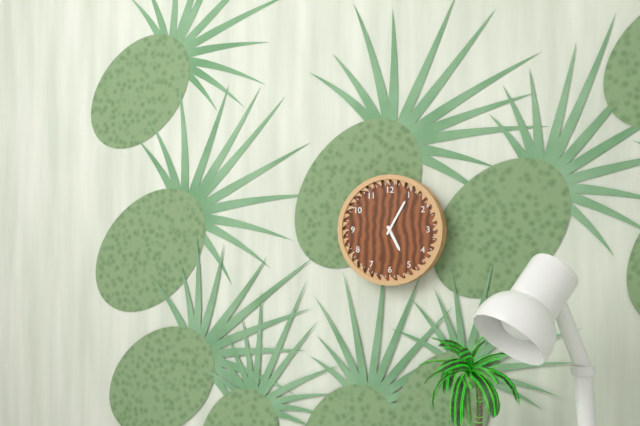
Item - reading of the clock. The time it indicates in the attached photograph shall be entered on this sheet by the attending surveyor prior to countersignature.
5:05
